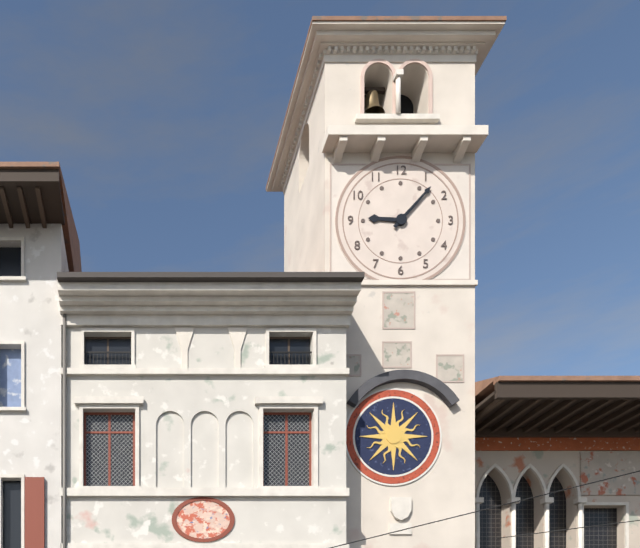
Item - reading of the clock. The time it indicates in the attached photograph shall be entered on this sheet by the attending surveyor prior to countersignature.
9:07
